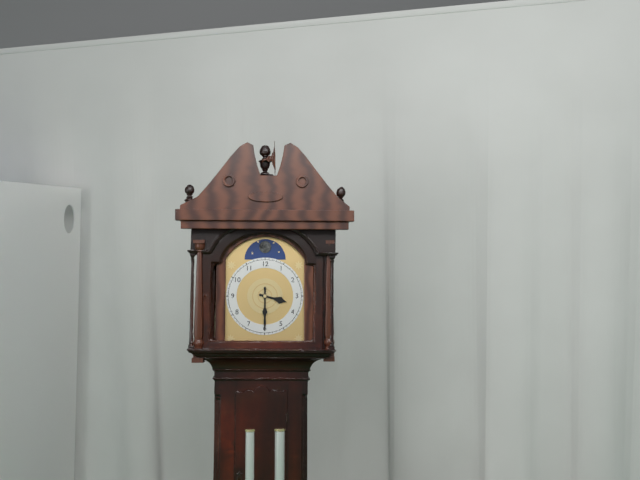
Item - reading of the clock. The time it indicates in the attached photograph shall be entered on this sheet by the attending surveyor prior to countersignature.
3:30
